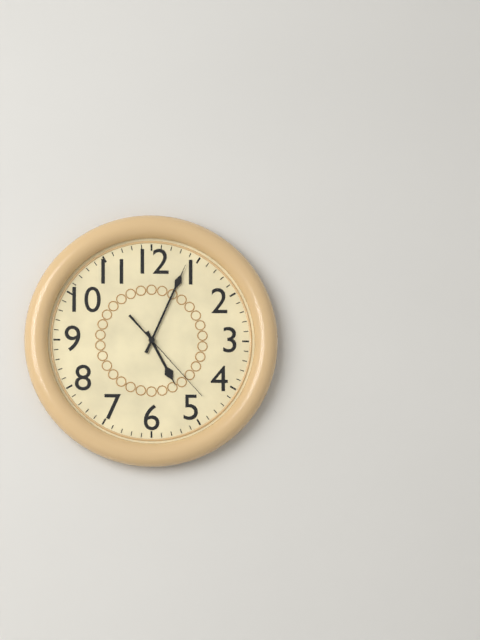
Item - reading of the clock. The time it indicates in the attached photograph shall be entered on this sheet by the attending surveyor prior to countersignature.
5:04:23
